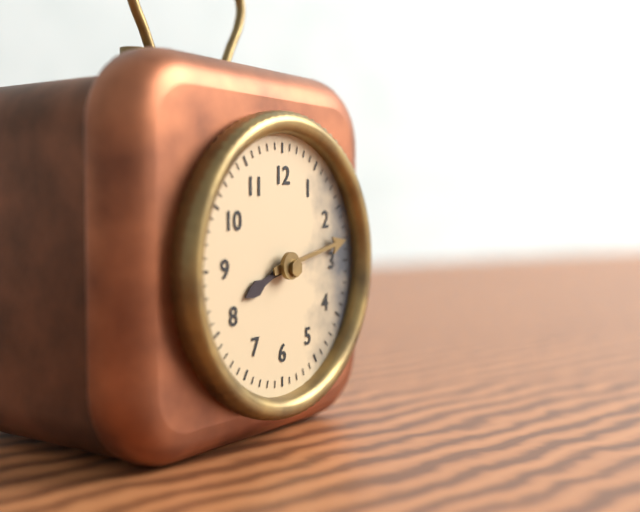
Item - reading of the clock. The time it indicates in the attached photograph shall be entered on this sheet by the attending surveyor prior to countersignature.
8:13
